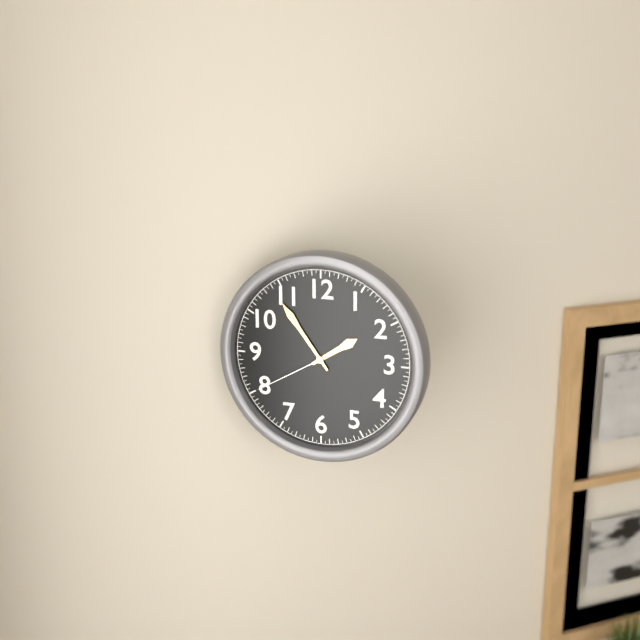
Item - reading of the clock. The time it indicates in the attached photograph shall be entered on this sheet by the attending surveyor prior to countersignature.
1:54:40
